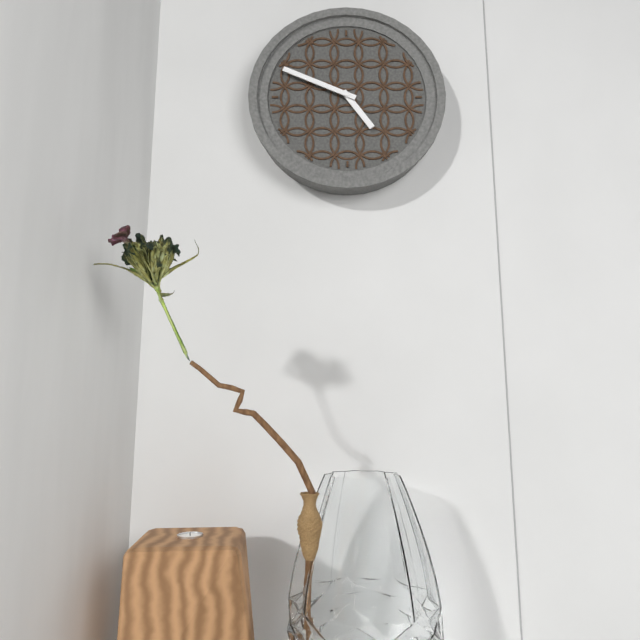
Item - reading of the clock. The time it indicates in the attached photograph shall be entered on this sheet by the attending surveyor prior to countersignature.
4:49
